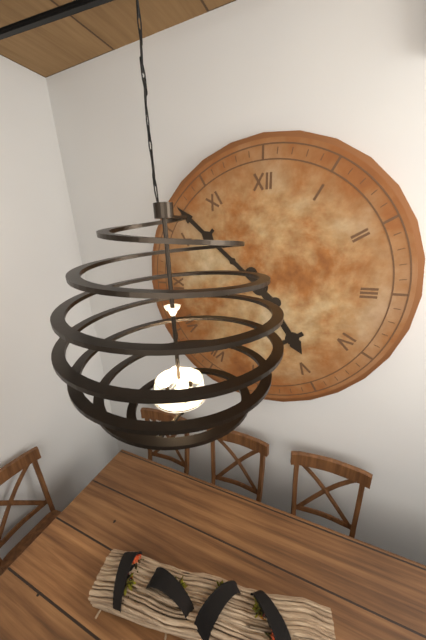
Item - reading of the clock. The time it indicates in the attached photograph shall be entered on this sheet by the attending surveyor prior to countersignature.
4:52
